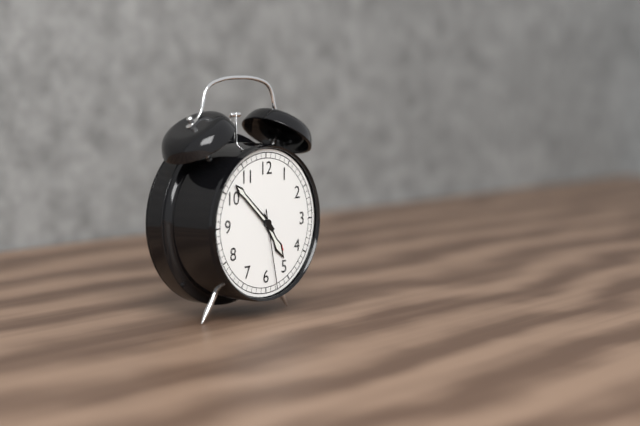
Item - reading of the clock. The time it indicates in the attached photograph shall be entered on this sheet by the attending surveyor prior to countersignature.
4:52:28
